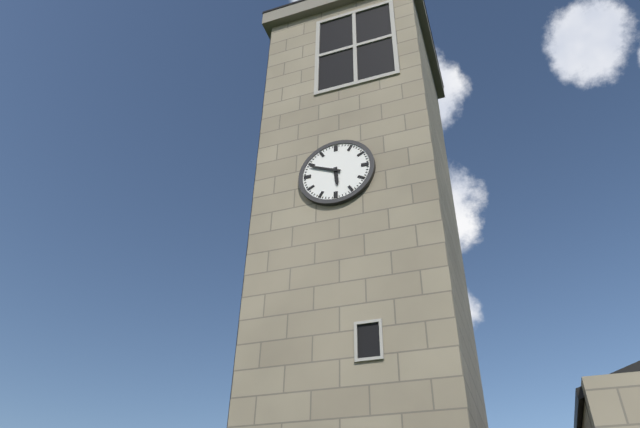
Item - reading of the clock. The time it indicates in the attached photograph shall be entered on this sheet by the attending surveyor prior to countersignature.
5:49
